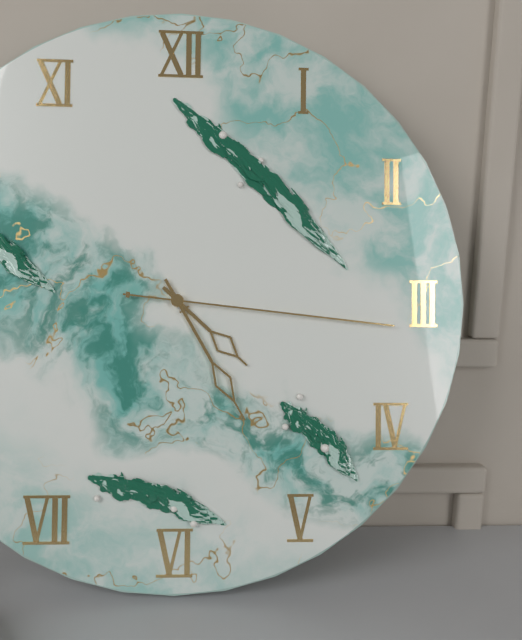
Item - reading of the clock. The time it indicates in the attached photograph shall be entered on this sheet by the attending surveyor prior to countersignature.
4:25:16
